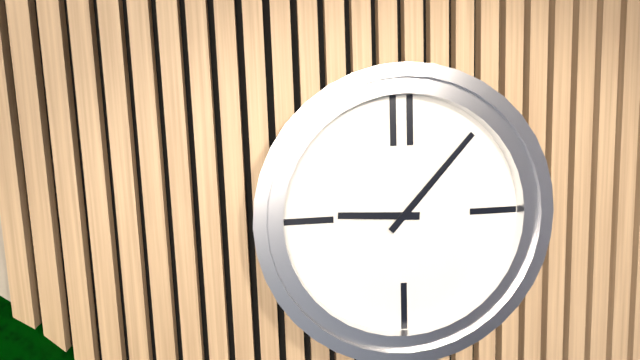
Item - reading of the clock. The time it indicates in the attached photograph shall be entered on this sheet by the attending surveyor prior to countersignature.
9:07
